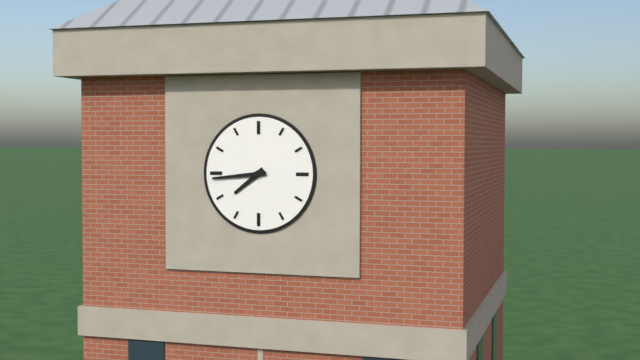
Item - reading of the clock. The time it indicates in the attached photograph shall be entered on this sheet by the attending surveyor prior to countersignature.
7:44
